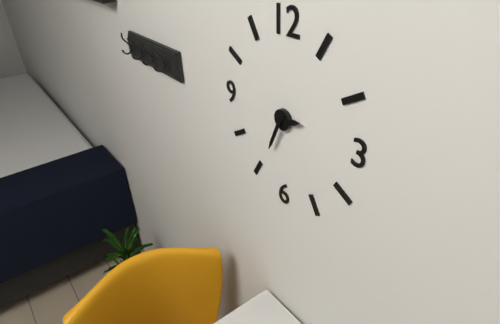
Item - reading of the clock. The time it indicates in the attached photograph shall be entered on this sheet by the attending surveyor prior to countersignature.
2:34
